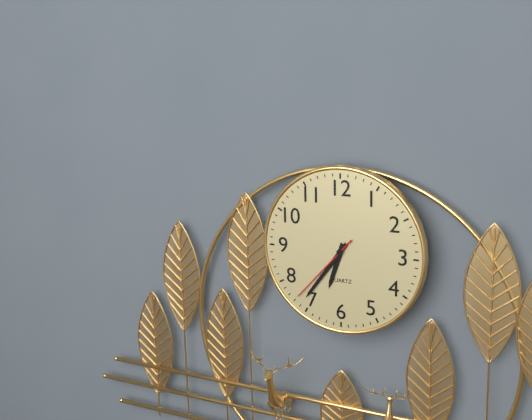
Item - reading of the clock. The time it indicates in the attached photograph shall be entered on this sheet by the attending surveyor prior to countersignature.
6:36:37
